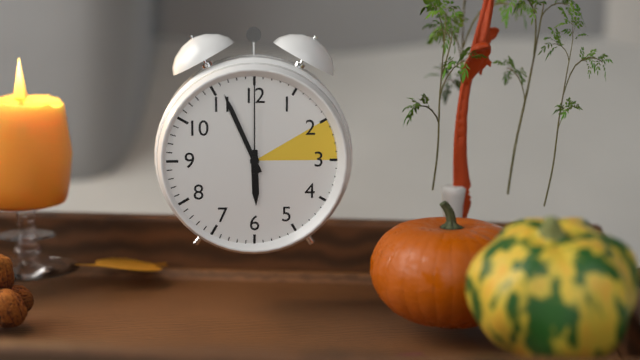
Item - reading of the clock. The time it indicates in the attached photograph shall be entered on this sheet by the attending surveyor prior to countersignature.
5:56:00
